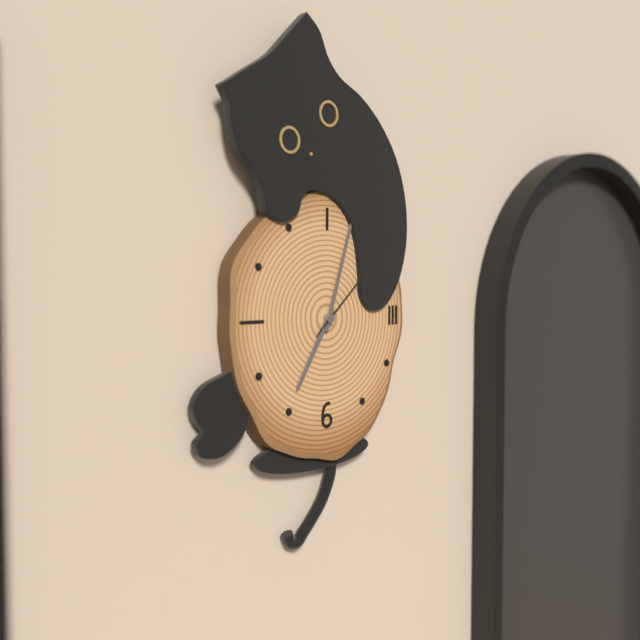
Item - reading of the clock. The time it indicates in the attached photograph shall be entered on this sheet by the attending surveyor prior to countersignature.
7:03:08
